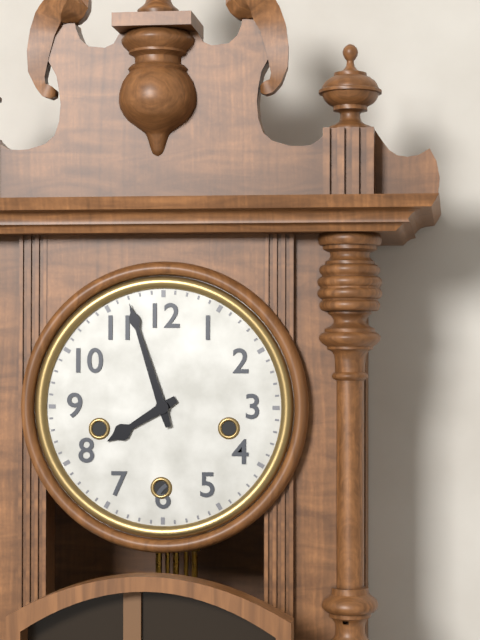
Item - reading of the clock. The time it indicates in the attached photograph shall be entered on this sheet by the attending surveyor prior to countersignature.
7:57
